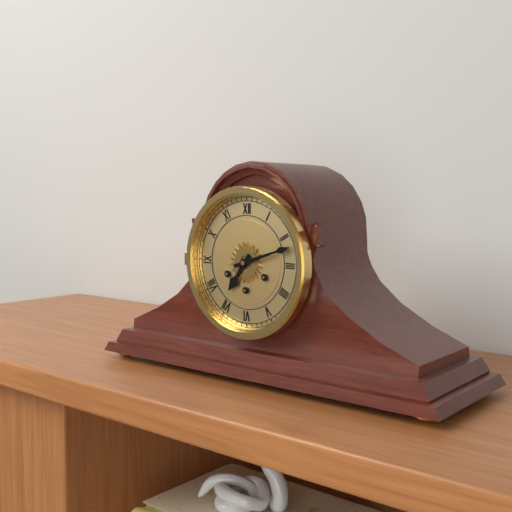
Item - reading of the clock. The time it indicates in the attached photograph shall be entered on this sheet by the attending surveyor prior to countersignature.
7:12
